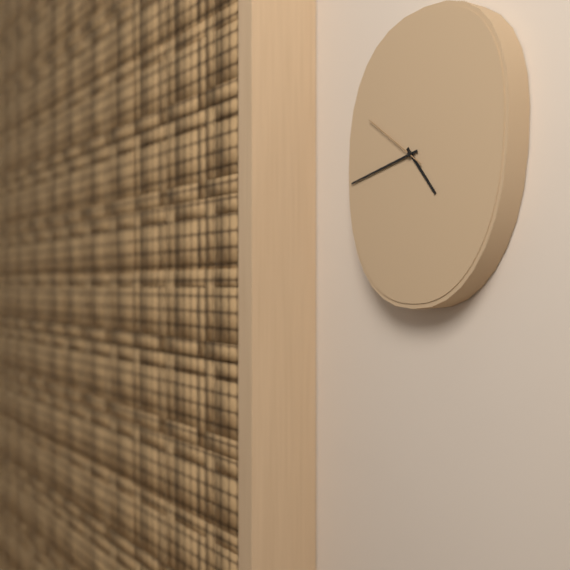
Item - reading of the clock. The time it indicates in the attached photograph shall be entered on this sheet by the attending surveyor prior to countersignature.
4:43:51
